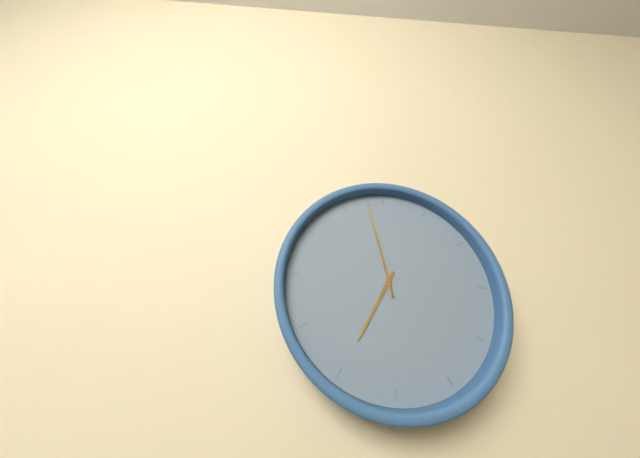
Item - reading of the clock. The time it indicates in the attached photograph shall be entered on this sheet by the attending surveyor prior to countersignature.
6:58
